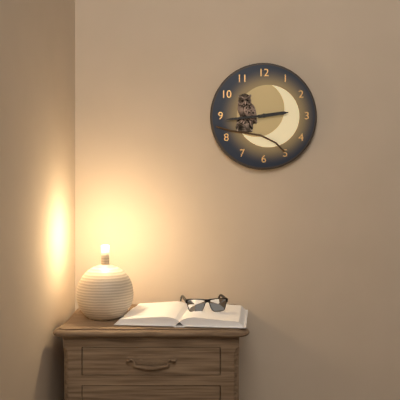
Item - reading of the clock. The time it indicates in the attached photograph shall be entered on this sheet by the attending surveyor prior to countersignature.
2:44
